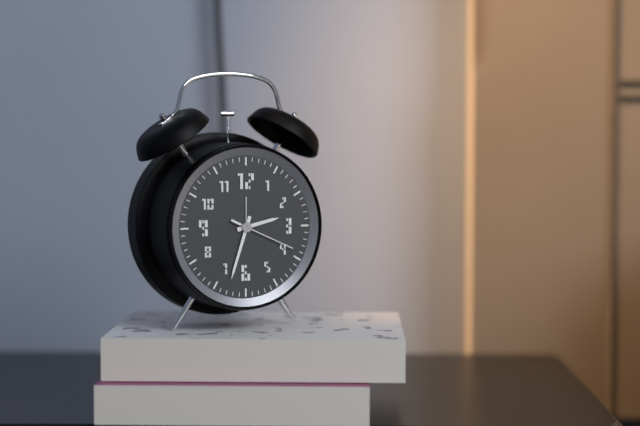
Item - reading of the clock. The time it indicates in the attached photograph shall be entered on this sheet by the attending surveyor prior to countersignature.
2:33:19
